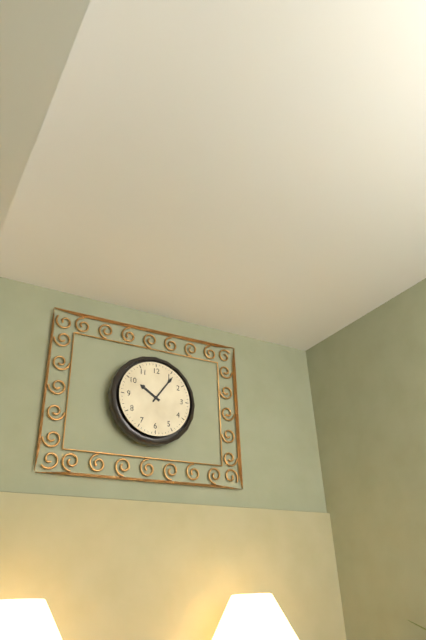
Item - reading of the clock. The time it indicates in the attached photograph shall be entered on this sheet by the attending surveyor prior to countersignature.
10:06
